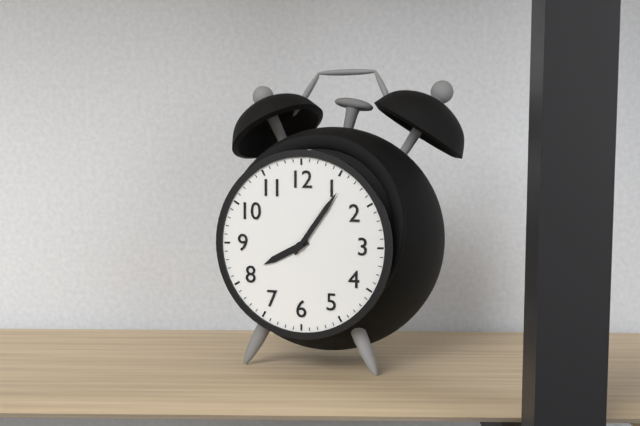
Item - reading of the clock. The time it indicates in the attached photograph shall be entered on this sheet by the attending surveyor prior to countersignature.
8:06
